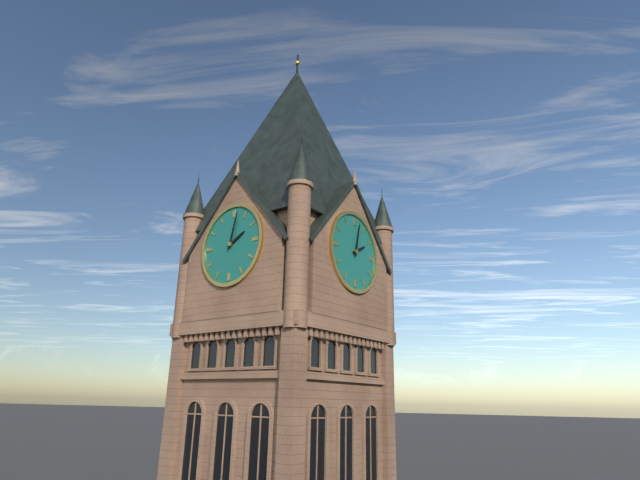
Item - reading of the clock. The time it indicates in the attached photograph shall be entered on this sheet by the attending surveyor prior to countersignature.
2:02
